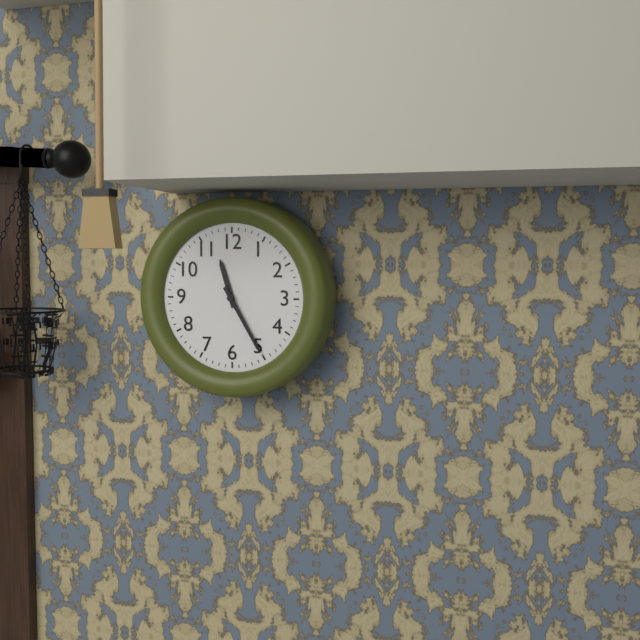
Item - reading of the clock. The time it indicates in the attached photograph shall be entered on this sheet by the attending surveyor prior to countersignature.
11:25
